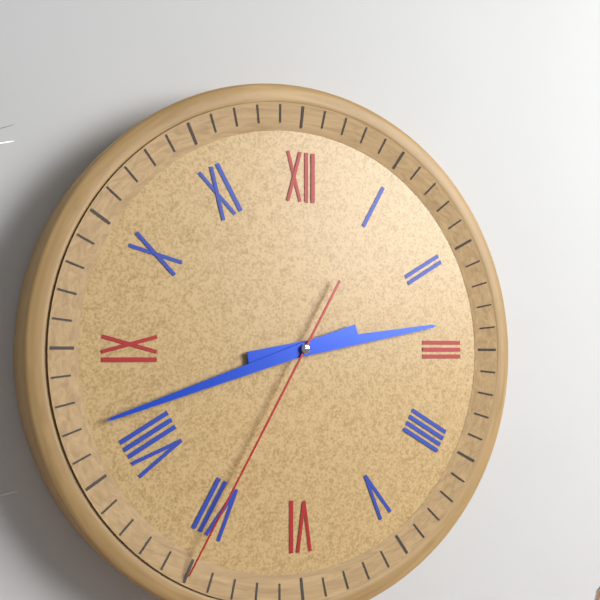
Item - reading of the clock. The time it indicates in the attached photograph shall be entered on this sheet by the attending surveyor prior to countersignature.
2:42:35
